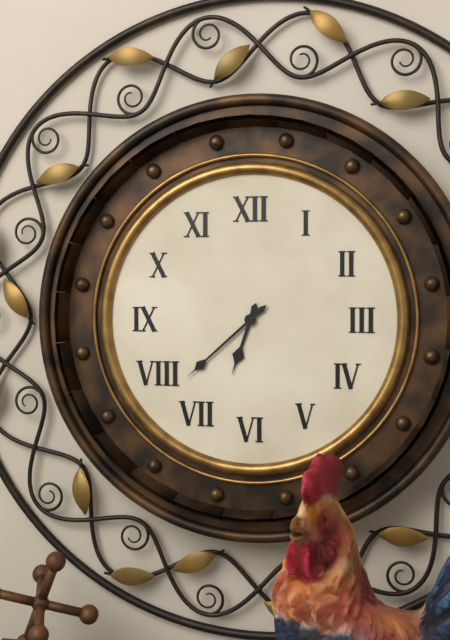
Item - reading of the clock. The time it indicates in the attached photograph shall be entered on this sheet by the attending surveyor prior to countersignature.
6:38
